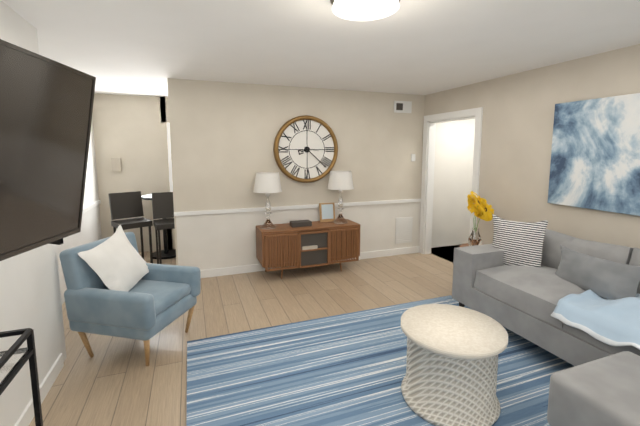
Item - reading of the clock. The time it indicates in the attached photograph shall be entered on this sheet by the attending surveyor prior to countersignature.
8:22
